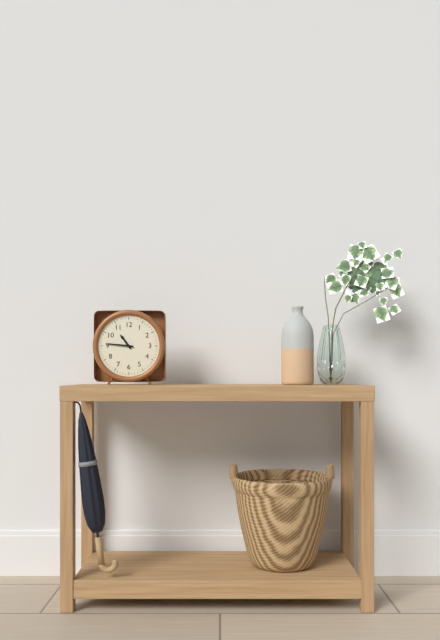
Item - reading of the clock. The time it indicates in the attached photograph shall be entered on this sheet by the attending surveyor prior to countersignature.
10:46
